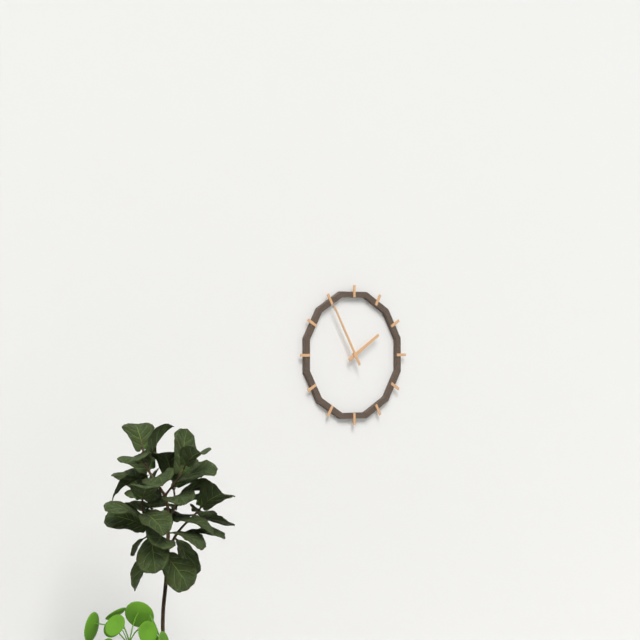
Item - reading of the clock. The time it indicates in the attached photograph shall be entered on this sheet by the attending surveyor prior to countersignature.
1:55
